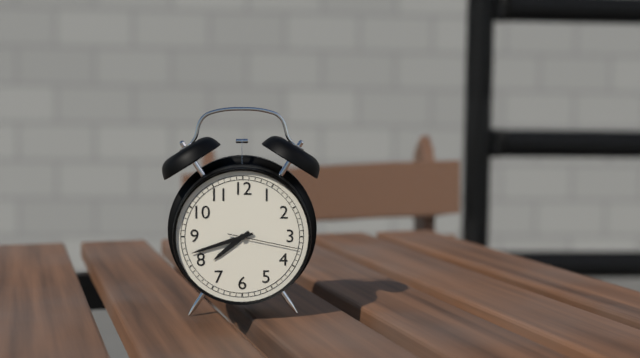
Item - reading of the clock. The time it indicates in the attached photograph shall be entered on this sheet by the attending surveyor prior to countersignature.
7:42:17
